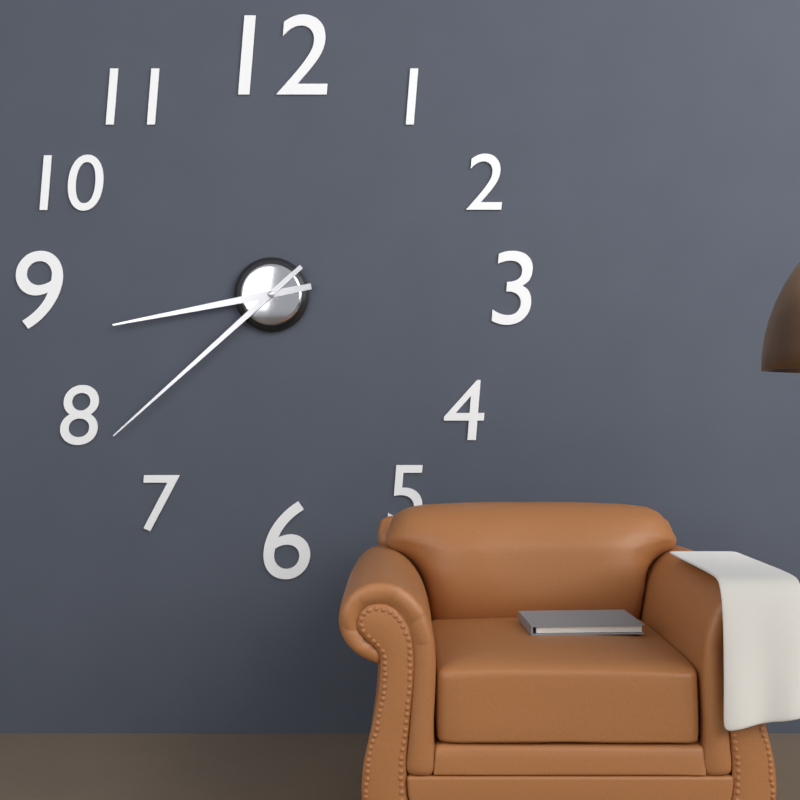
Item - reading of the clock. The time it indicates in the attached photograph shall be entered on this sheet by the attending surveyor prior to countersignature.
8:38
